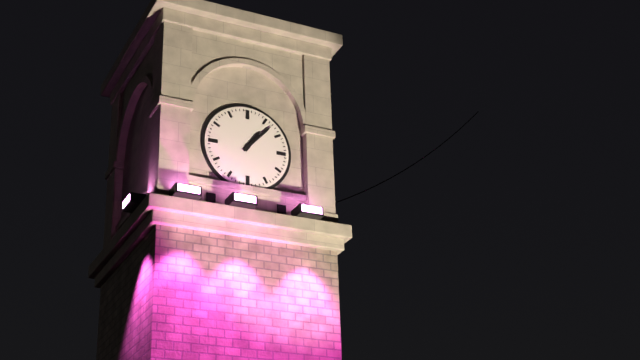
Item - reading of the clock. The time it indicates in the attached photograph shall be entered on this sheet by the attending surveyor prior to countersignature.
1:07
